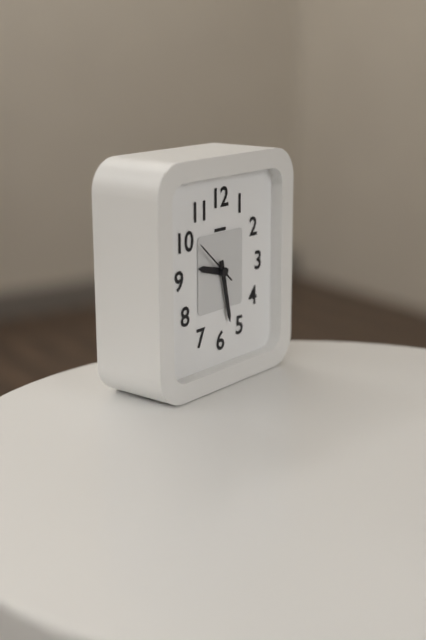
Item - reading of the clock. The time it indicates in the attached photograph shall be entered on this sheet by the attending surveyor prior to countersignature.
9:28:52
